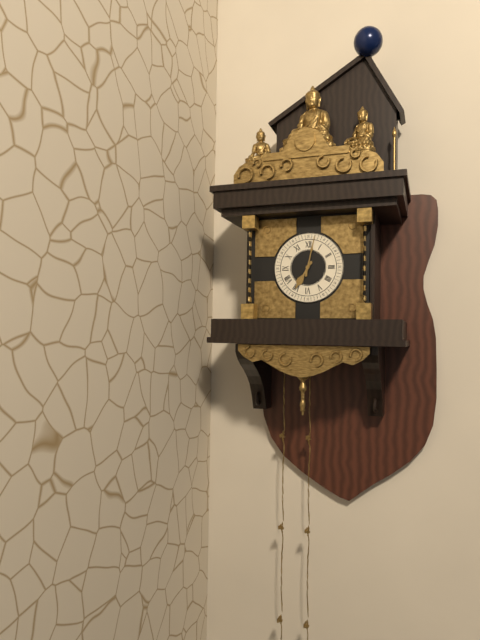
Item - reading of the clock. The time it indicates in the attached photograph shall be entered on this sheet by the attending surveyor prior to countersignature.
7:02
